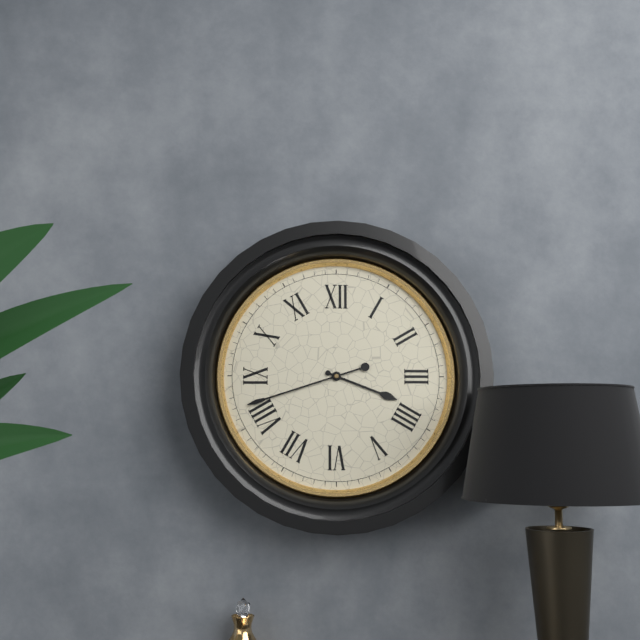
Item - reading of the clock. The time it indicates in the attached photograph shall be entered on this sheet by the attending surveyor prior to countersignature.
3:42
